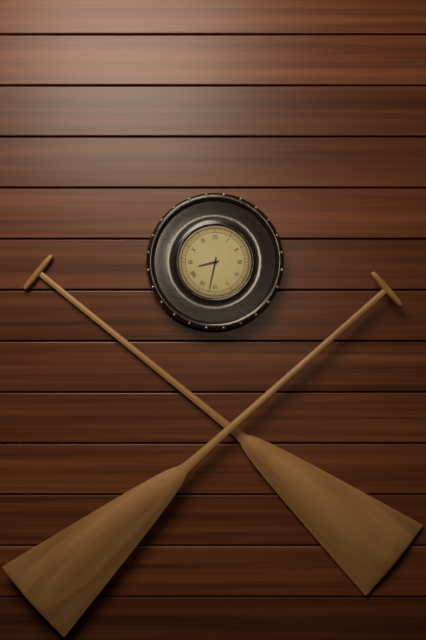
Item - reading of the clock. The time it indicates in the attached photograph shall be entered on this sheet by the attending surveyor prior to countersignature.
8:32
